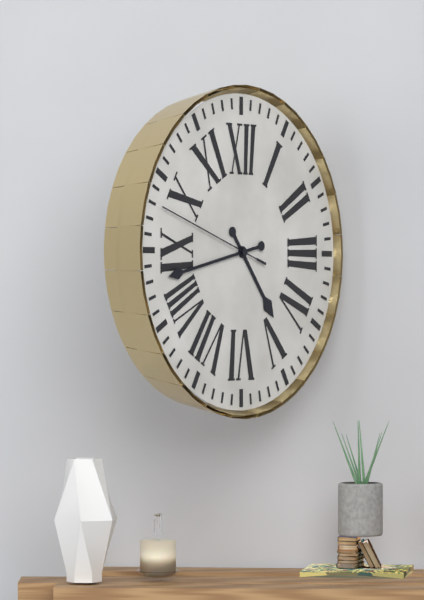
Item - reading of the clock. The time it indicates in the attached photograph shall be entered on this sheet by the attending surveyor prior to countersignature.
4:43:48
